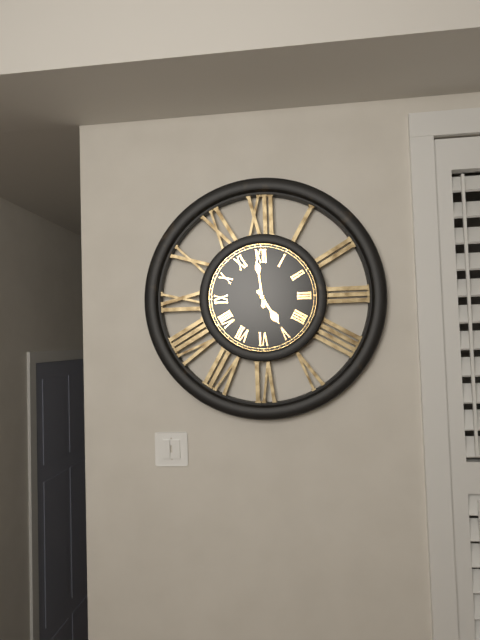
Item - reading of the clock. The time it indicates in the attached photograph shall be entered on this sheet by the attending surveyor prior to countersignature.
4:59
